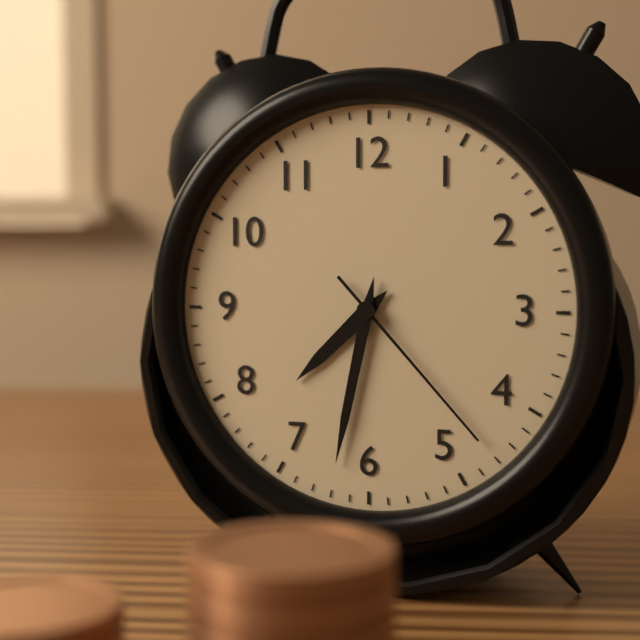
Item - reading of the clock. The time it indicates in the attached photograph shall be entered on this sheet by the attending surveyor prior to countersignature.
7:32:23
